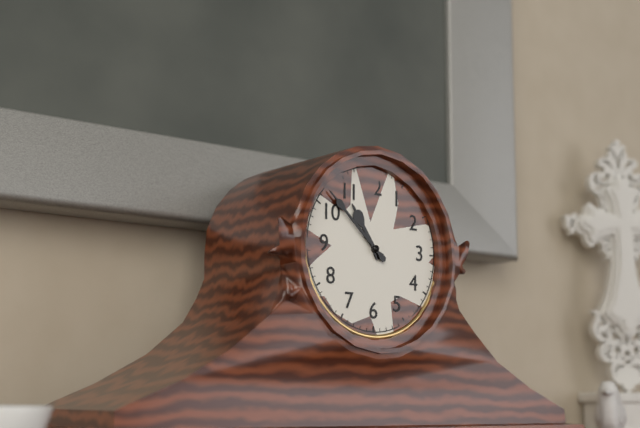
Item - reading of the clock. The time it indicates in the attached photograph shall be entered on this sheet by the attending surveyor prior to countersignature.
10:52
